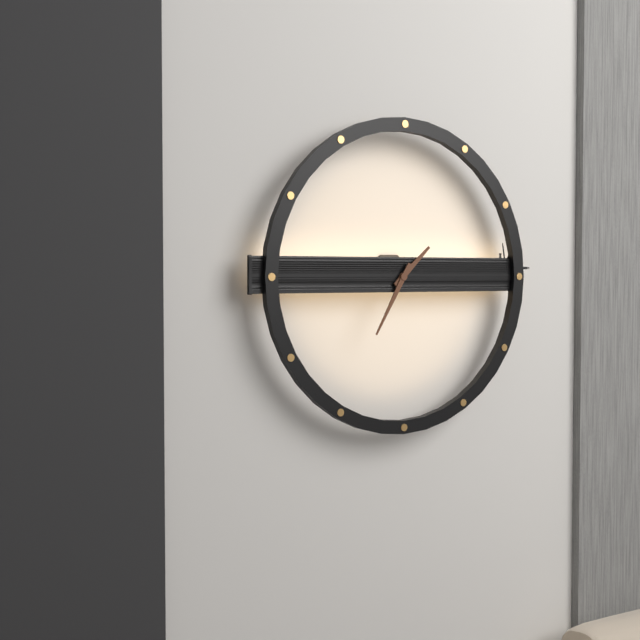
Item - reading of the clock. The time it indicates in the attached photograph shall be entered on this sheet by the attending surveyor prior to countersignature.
1:35
